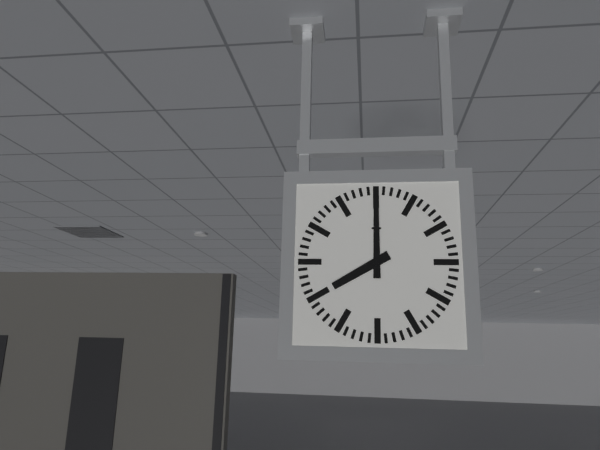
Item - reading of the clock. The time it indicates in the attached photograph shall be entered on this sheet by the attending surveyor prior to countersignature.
8:00
